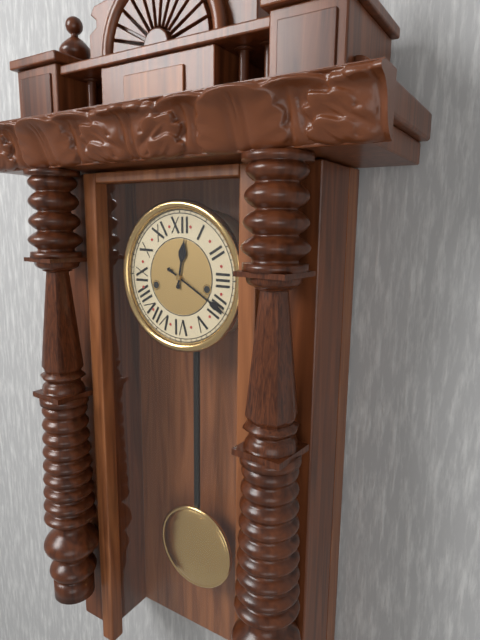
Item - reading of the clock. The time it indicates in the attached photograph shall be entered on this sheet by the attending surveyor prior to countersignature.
12:20
